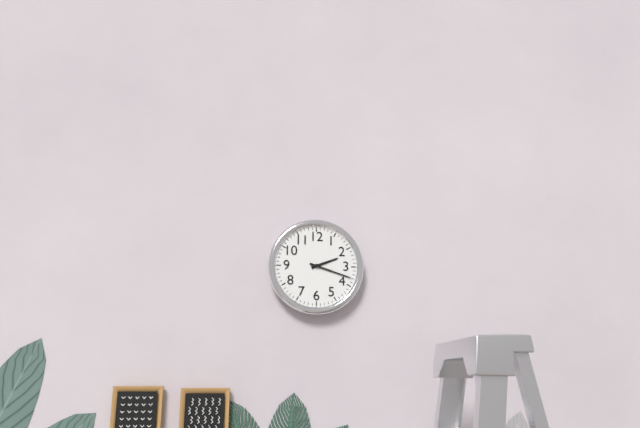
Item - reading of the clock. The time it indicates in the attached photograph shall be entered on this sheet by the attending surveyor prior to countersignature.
2:18
